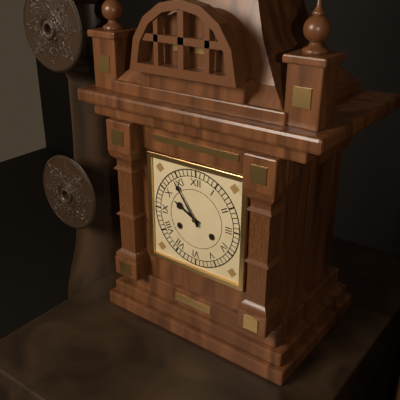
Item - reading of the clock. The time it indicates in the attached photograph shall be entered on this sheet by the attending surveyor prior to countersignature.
9:54
